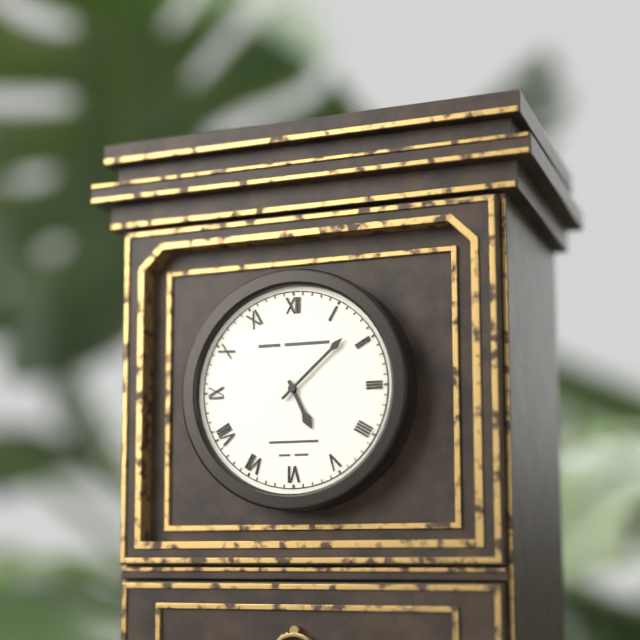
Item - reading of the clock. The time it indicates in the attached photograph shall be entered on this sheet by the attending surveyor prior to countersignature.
5:08
